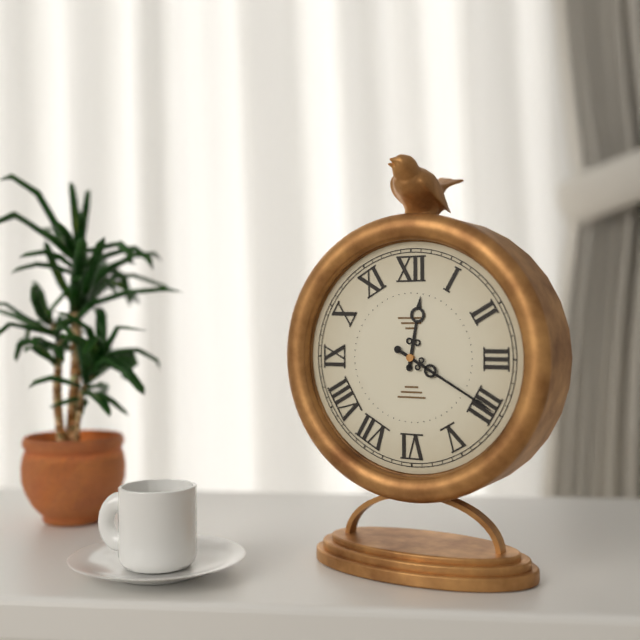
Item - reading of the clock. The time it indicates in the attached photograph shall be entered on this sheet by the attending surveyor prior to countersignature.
12:20
